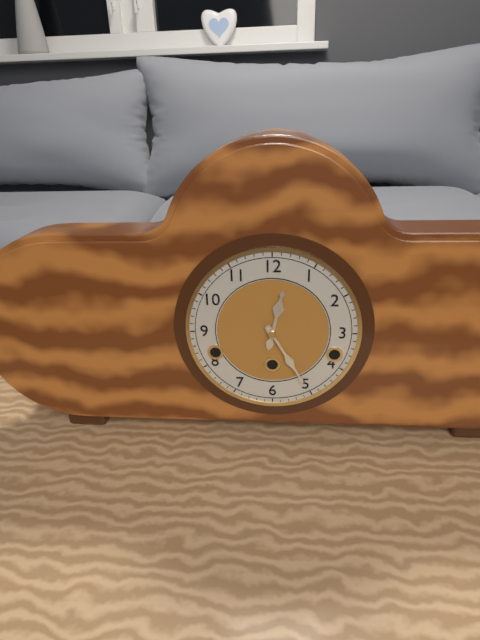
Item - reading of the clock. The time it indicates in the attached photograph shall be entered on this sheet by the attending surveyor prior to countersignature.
12:25
